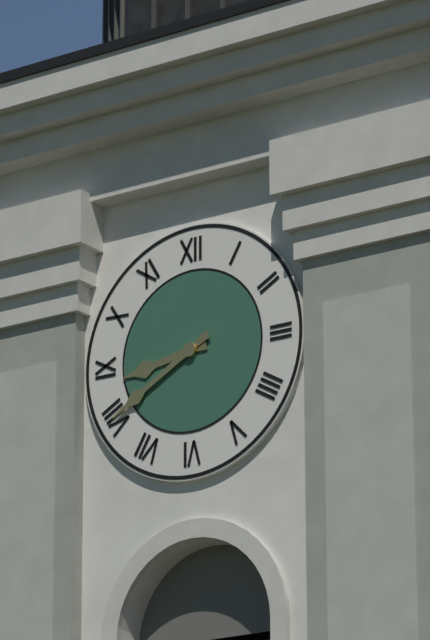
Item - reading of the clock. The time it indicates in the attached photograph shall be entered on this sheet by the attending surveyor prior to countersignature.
8:40
